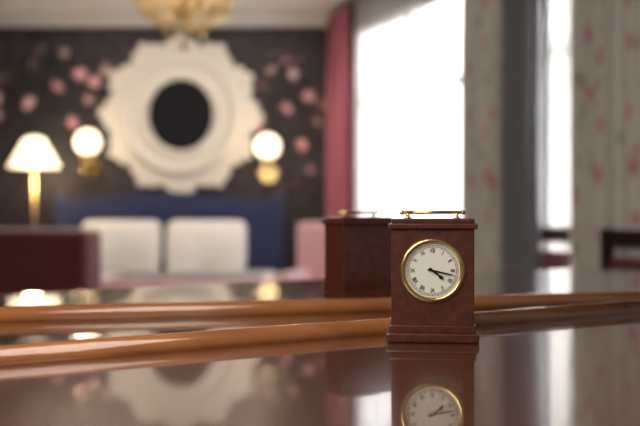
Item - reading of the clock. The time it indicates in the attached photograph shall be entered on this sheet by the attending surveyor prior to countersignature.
4:17
